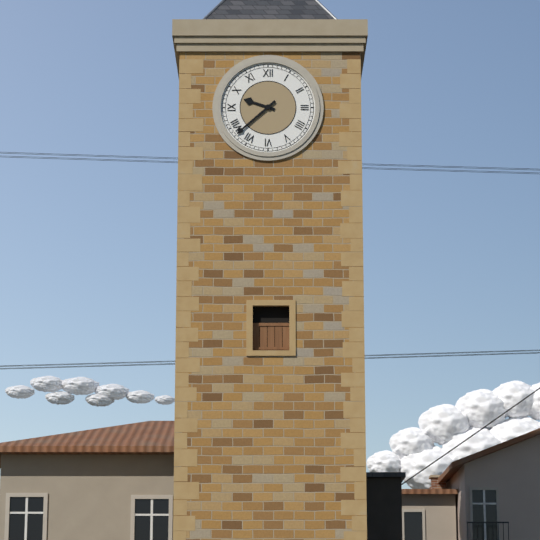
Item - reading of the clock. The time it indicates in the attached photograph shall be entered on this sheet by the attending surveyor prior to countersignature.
9:38
